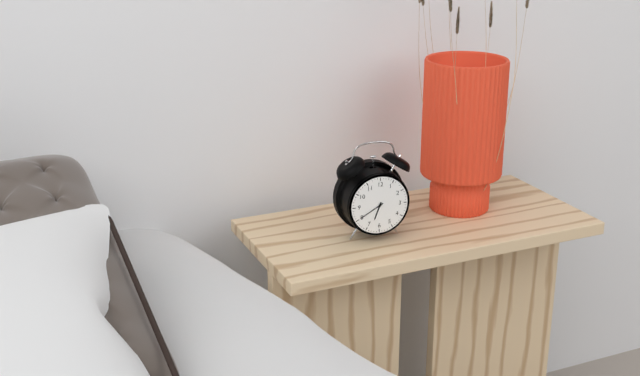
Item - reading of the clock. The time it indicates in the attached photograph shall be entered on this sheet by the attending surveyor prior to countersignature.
6:40
